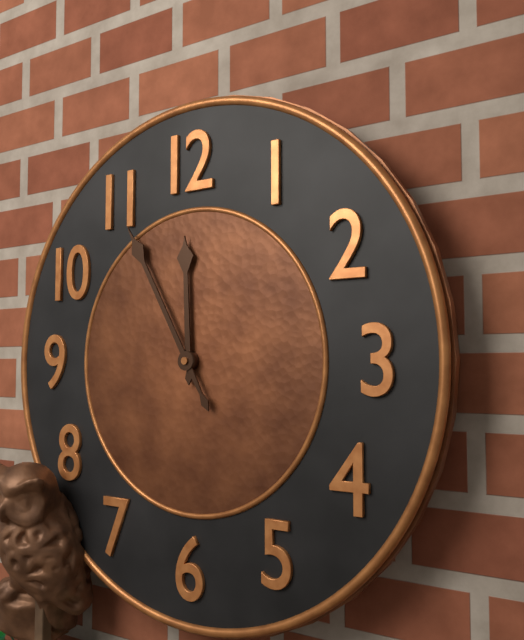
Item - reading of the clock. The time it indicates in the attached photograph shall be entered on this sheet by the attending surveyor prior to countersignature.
11:55
